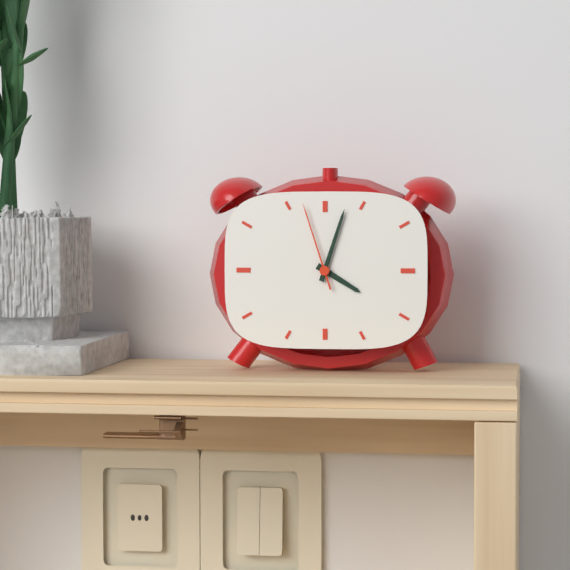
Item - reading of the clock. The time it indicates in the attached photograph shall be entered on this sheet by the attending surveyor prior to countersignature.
4:03:57
